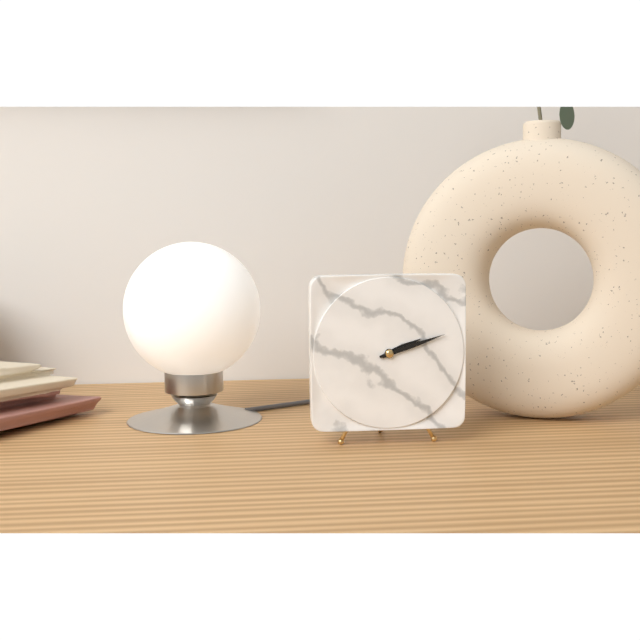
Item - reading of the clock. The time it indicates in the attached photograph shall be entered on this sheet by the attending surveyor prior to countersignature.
2:12
